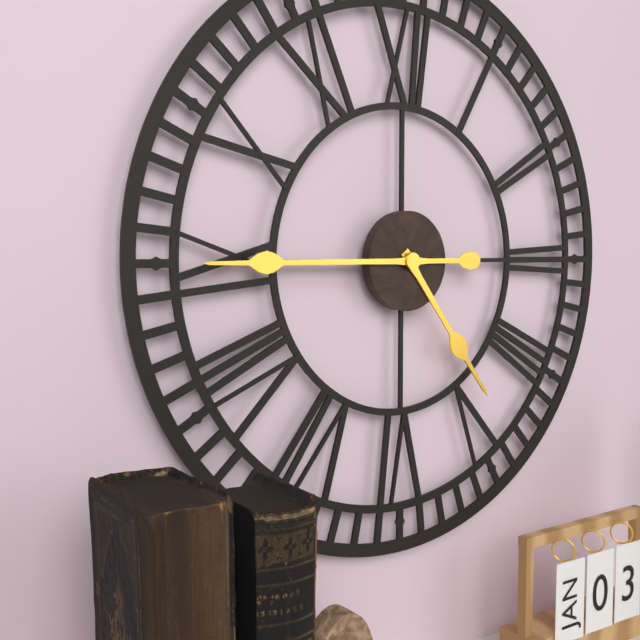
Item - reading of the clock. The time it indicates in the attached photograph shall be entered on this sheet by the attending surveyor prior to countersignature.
4:45
